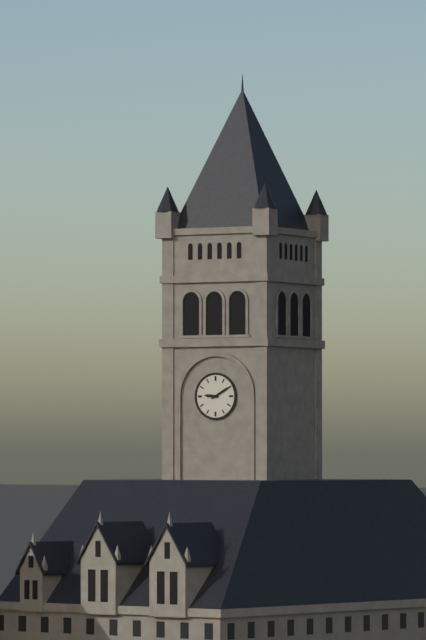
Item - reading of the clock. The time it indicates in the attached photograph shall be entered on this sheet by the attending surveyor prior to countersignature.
9:10
